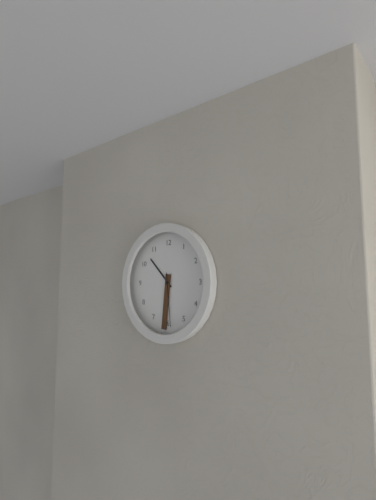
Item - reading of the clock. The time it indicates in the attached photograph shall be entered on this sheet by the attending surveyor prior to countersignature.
10:31:29
